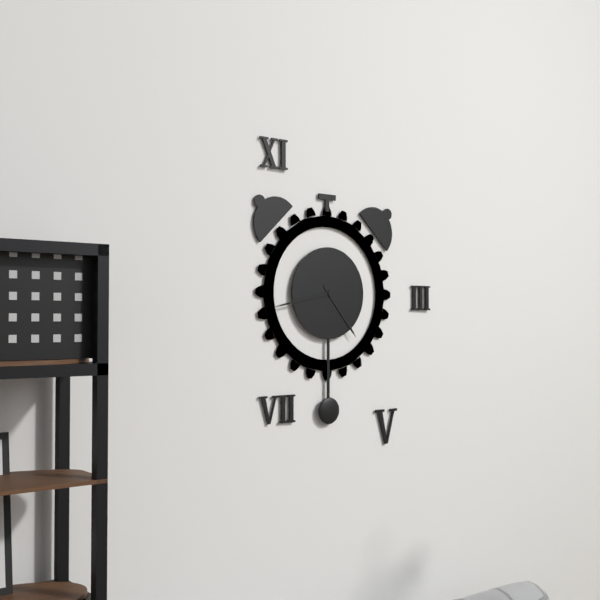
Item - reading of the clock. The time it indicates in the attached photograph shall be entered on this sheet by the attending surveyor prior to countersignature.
4:43
